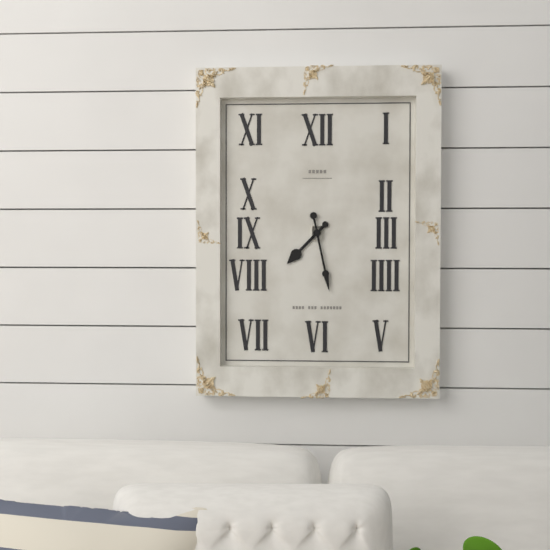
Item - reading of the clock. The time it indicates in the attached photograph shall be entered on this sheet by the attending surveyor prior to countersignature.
7:28
